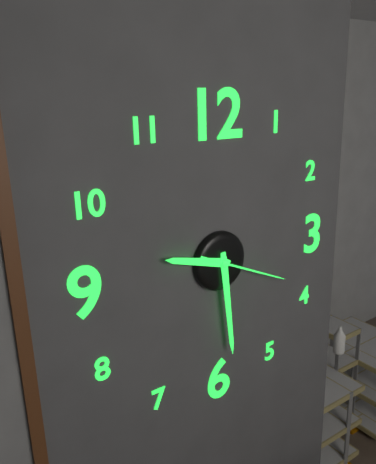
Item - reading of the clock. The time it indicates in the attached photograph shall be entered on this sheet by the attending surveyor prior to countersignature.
9:29:19
